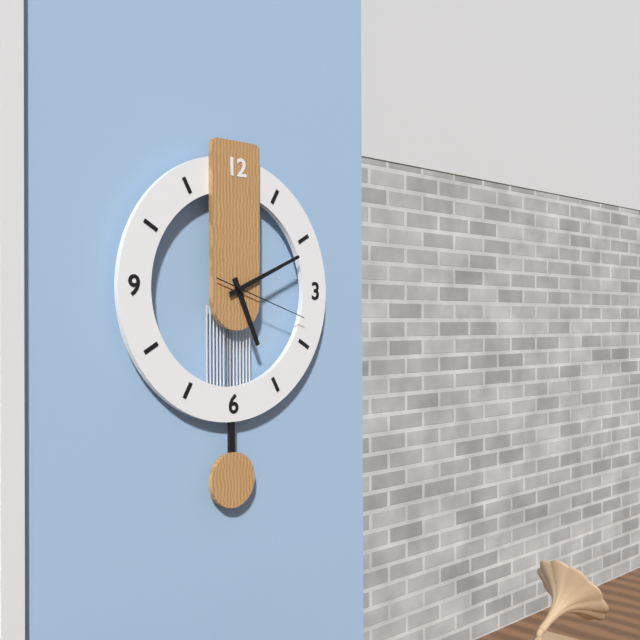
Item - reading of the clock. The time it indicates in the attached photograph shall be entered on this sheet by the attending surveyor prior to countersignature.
5:11:18
